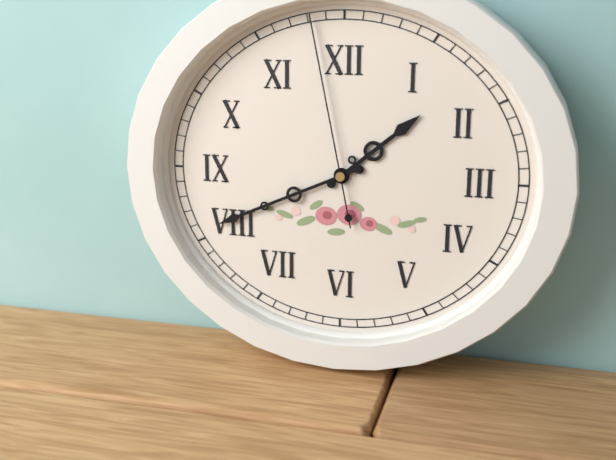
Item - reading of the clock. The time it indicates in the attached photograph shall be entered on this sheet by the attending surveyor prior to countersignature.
1:41:58
